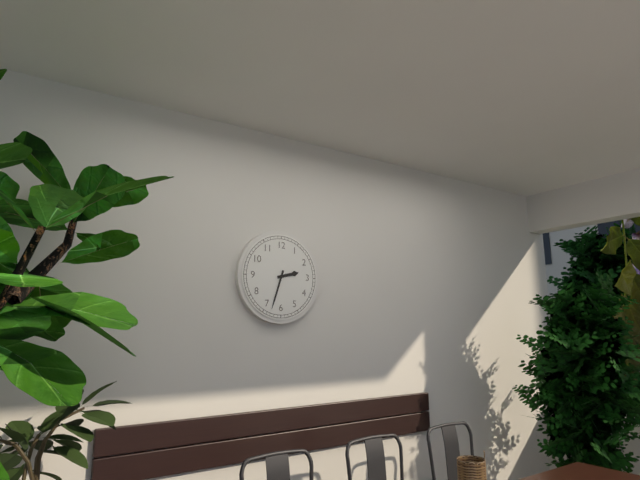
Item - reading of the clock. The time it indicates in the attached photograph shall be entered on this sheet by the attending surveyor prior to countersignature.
2:33
